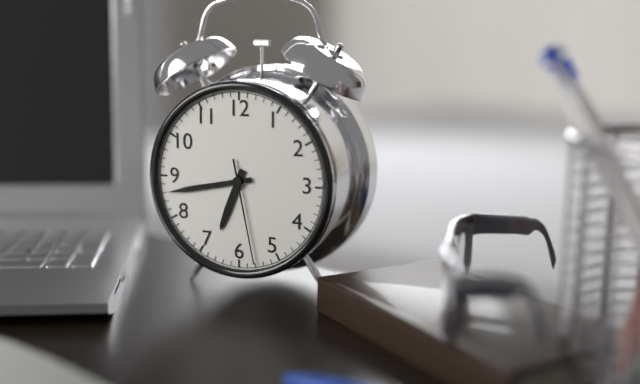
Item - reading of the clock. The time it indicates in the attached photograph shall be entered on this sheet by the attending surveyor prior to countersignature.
6:43:28
